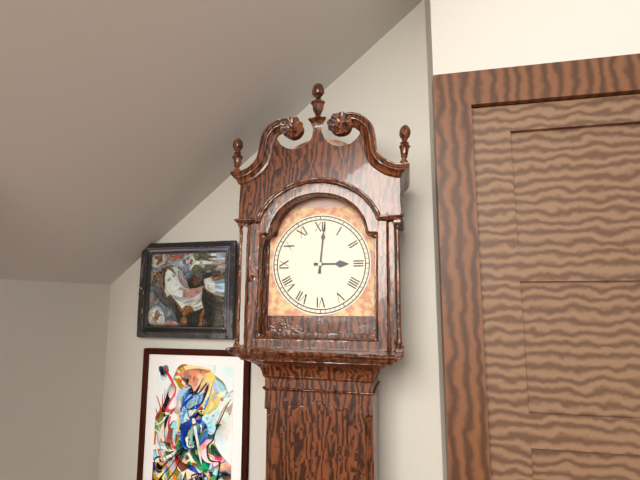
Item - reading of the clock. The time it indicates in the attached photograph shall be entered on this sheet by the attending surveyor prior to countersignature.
3:01
